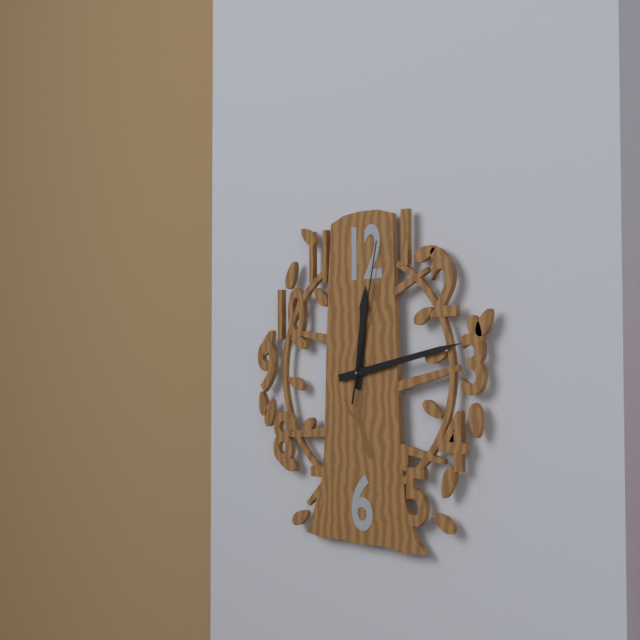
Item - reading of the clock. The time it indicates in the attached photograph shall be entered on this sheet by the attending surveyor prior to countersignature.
12:13:02
